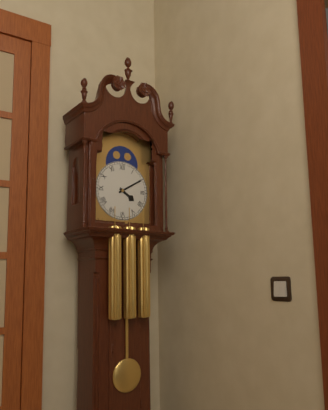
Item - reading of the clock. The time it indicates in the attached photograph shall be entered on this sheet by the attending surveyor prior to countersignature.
4:10
